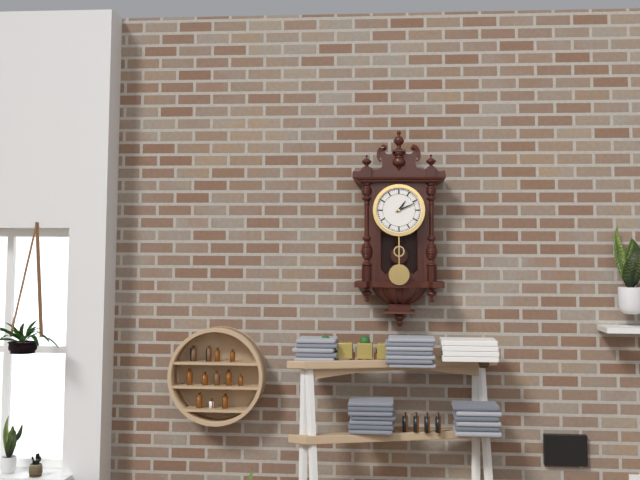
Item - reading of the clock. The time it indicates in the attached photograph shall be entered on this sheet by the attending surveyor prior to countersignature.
1:11
